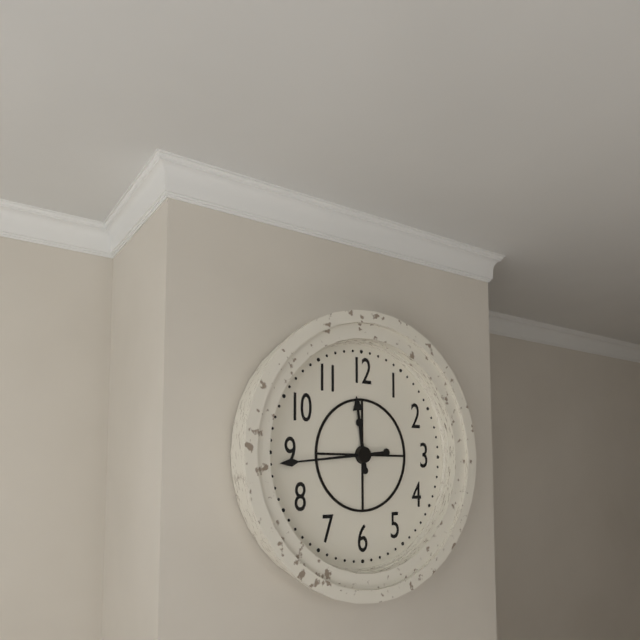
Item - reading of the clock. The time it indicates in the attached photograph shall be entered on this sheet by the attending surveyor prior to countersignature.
11:44
